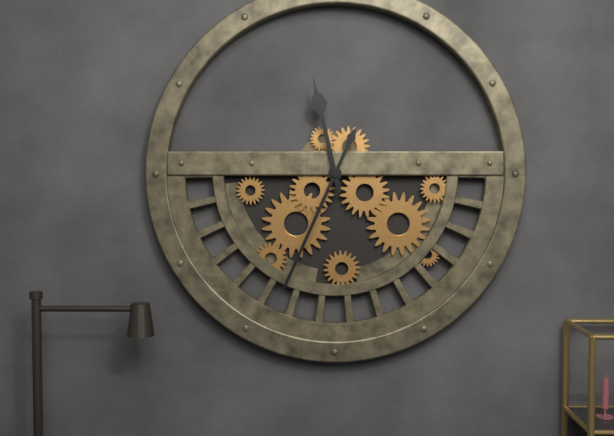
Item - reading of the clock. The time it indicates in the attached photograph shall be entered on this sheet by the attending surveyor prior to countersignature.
11:34
